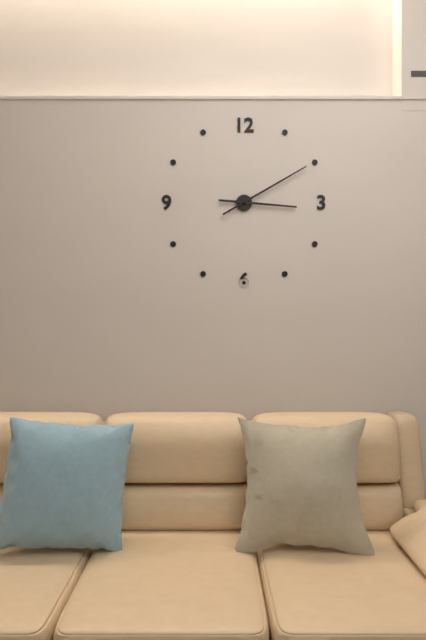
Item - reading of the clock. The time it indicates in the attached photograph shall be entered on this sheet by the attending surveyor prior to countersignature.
3:10
